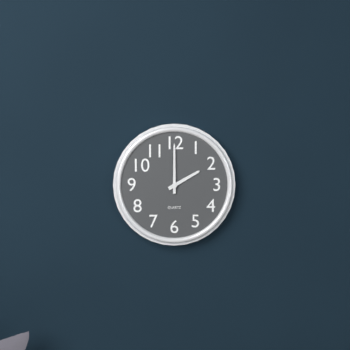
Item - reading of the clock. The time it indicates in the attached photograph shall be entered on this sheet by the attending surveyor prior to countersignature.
2:00
